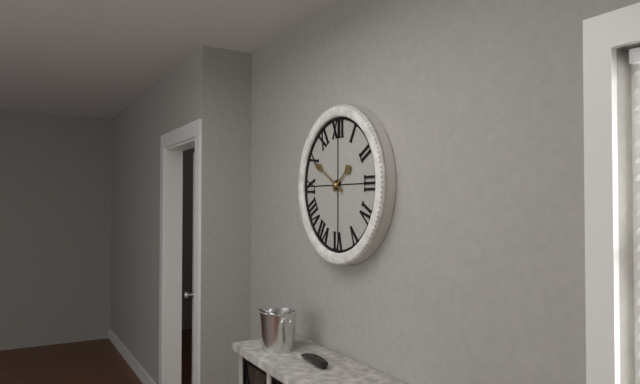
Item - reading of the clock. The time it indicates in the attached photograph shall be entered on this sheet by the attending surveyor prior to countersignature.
1:50
